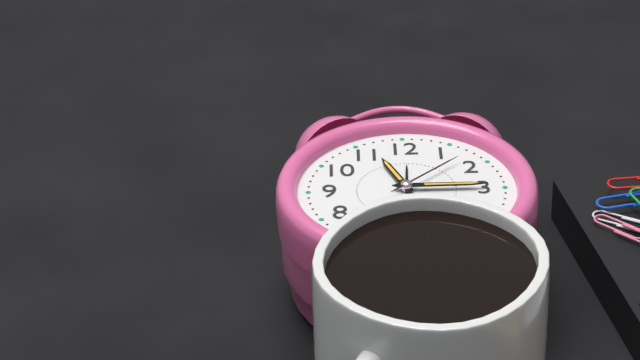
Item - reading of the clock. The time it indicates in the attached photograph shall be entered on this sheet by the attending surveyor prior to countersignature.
11:15:08
